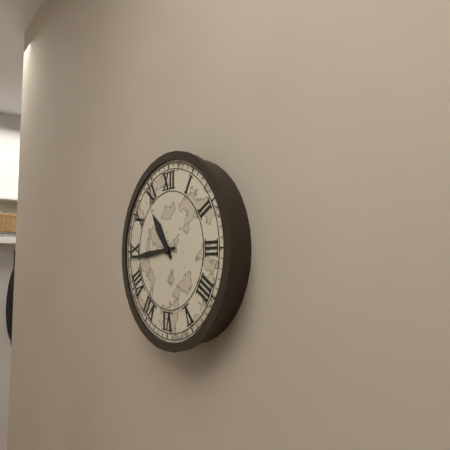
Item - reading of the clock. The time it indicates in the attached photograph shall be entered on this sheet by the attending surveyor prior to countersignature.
10:44
